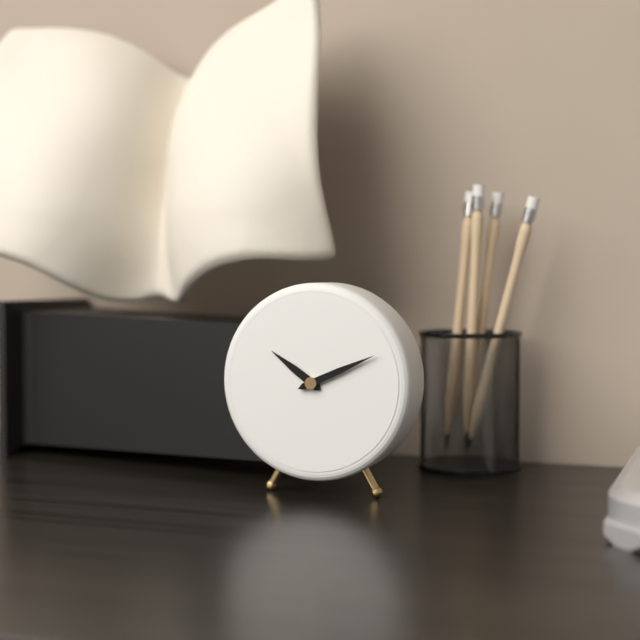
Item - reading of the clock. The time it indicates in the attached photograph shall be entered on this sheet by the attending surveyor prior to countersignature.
10:11
